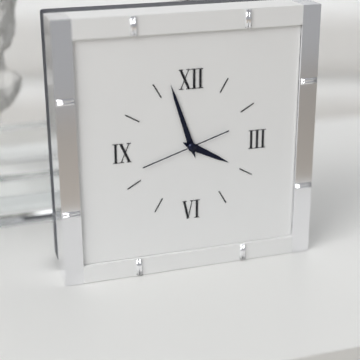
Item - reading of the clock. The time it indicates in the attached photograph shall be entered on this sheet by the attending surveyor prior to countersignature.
3:57:42
